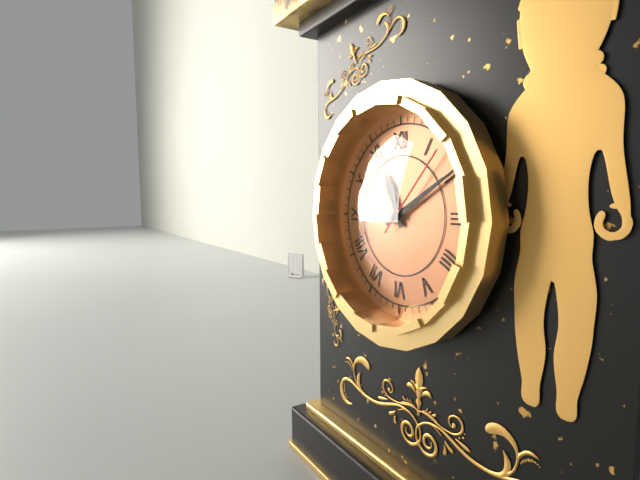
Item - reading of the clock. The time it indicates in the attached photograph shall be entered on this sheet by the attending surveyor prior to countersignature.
11:10:07
